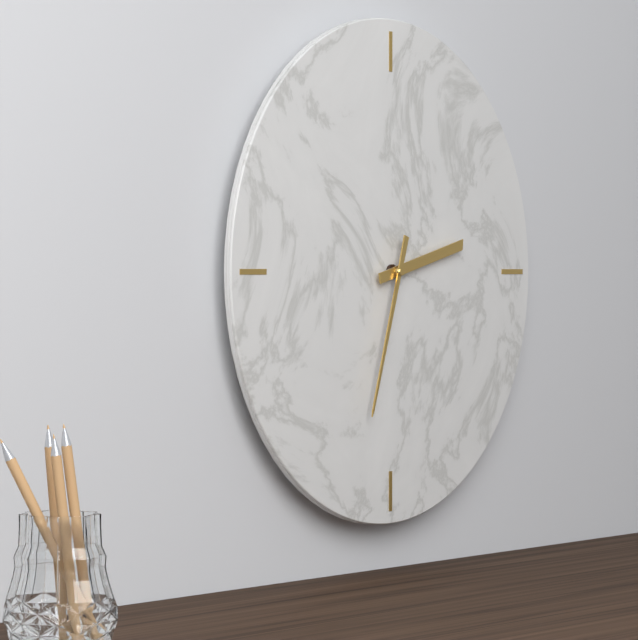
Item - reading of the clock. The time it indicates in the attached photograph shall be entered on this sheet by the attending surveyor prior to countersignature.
2:33
